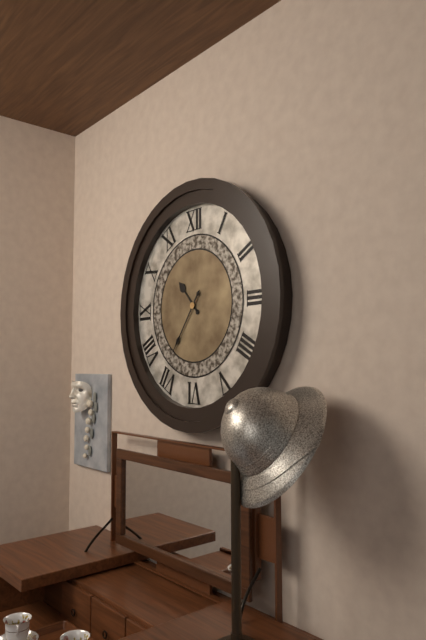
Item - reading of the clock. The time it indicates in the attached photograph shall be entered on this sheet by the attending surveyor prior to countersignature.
10:36
